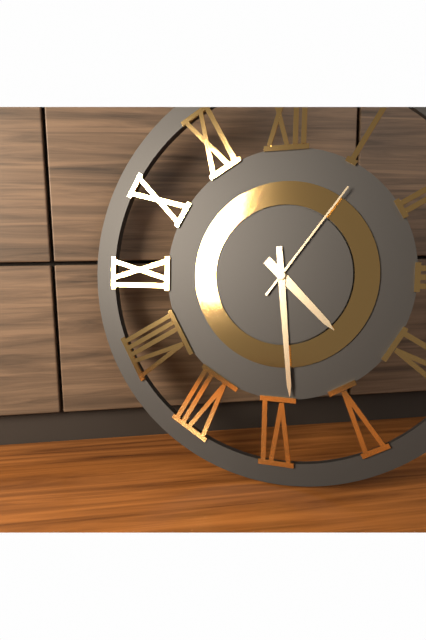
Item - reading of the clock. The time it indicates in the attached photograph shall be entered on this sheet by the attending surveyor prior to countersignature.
4:29:06
